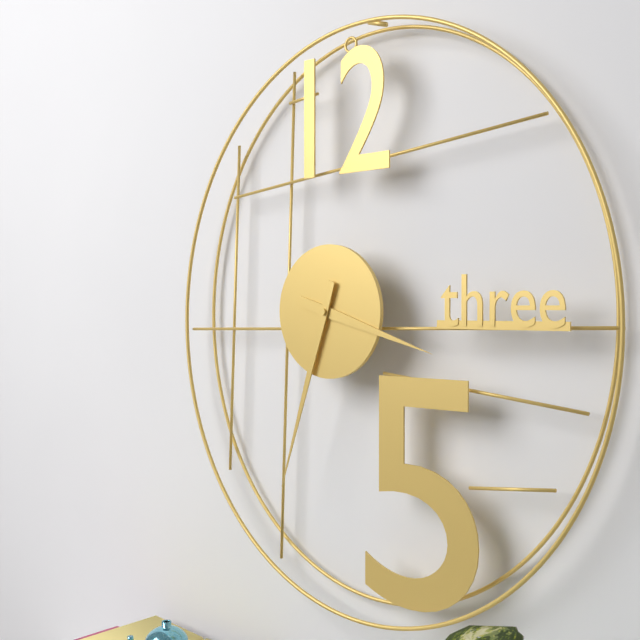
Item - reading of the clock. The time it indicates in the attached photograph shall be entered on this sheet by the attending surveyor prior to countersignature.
3:33
